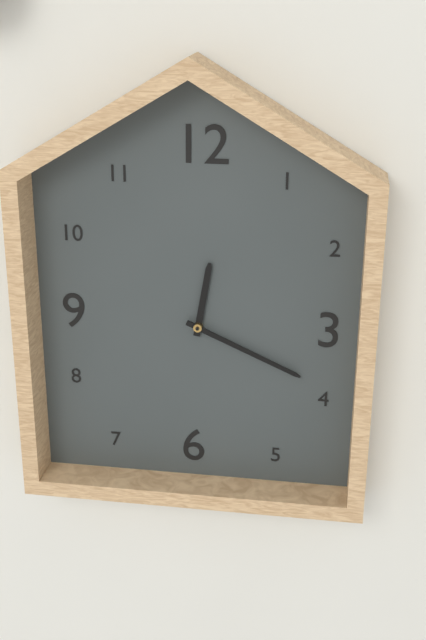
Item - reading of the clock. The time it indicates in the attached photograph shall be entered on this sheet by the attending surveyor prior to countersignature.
12:19
